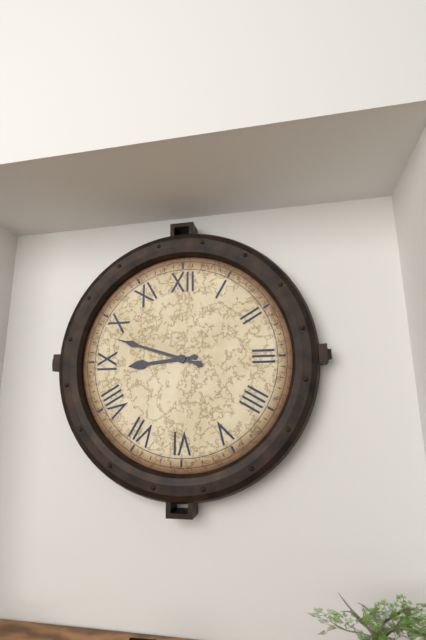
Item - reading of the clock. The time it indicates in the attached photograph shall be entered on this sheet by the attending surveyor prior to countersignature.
8:48
